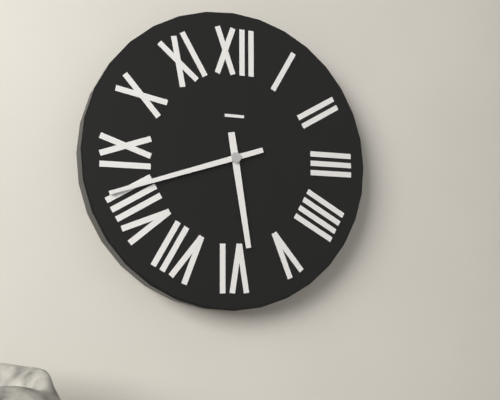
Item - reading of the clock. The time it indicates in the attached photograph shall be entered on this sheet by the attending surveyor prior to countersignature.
5:42
